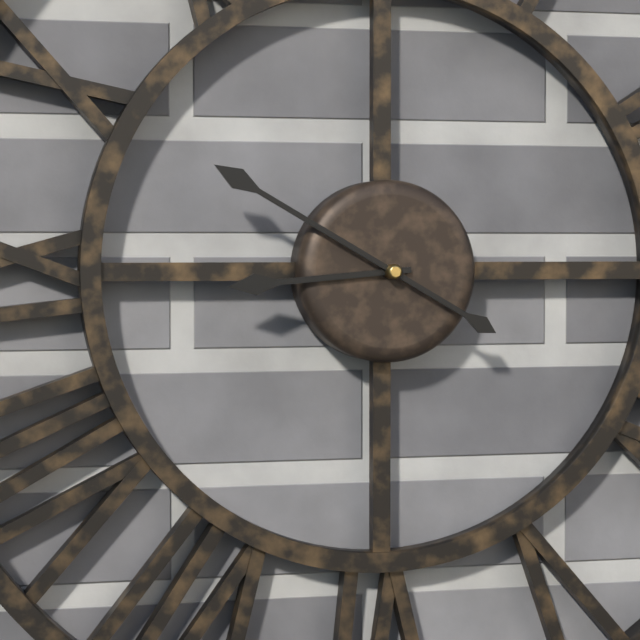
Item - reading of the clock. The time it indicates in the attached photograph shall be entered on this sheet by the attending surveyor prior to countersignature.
8:50
